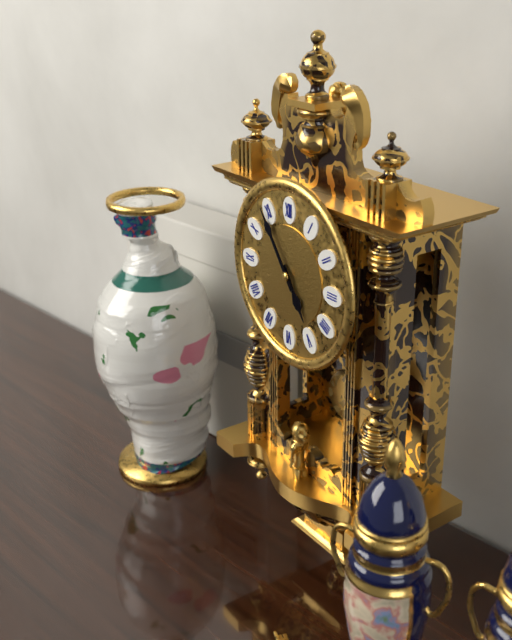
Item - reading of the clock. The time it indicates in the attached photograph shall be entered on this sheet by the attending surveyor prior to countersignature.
4:54
